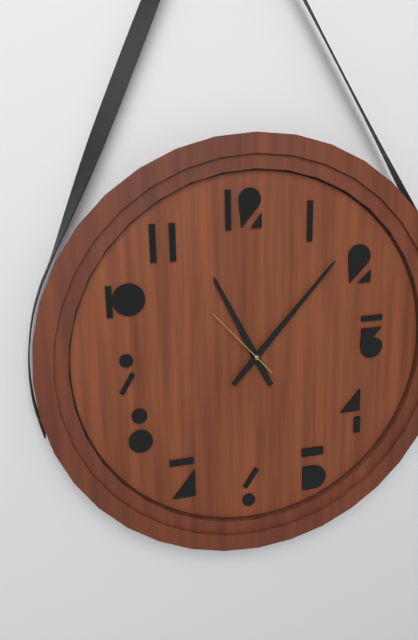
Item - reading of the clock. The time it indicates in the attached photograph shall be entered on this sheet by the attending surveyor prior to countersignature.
11:07:53
